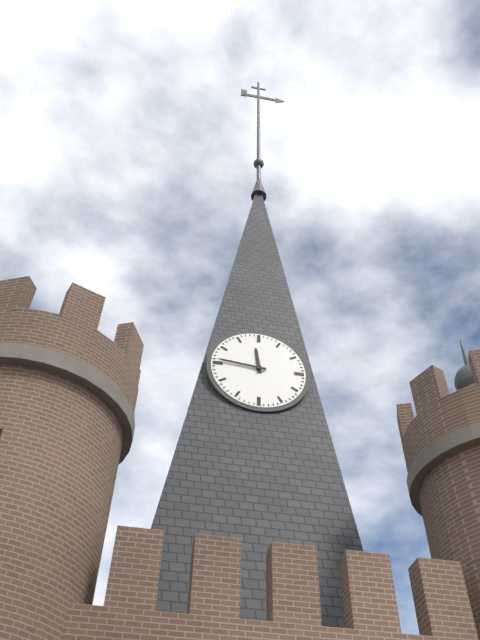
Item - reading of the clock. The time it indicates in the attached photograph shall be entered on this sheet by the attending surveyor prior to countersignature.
11:46
